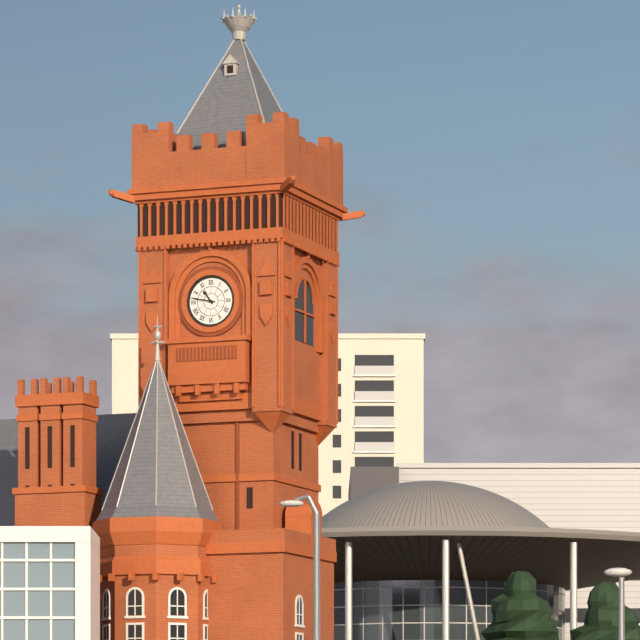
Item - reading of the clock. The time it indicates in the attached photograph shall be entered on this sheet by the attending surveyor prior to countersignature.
10:47
